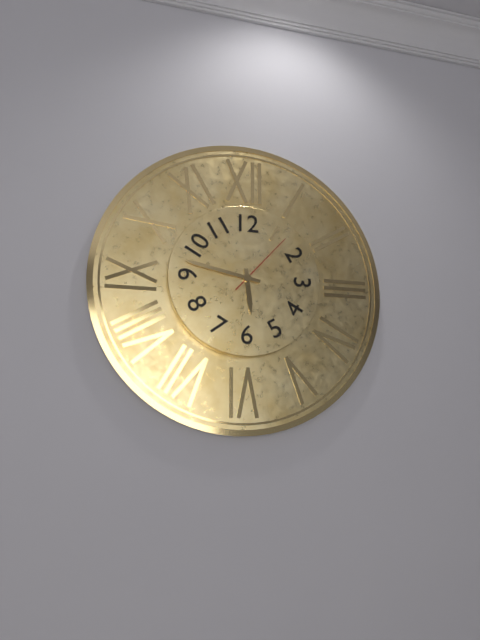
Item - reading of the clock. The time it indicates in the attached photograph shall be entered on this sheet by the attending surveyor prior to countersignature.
5:47:07
